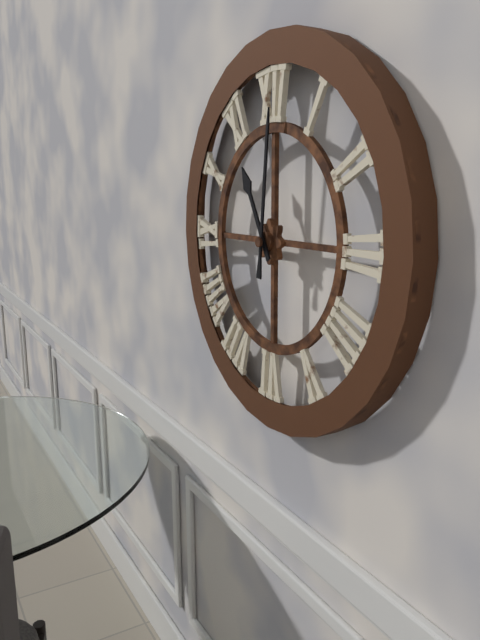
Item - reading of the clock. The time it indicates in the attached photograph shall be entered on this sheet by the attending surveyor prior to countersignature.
11:01
